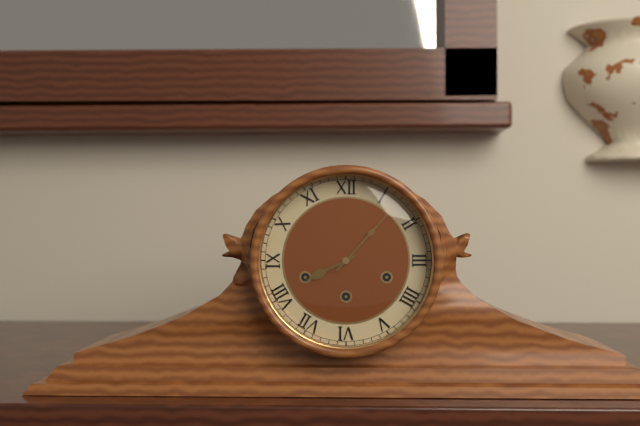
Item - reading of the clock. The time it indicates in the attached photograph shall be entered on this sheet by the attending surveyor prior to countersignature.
8:07
